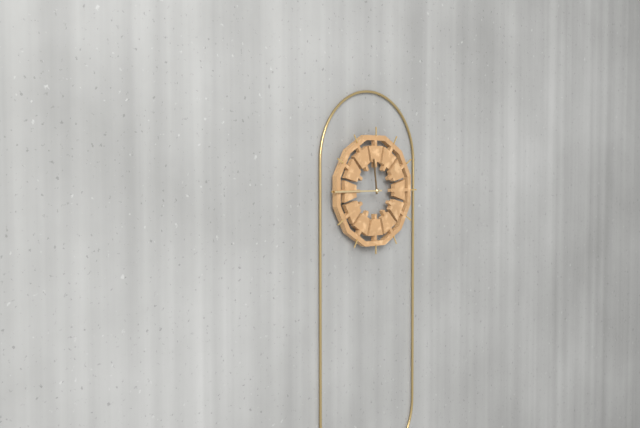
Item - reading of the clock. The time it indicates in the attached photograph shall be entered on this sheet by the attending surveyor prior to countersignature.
11:45
